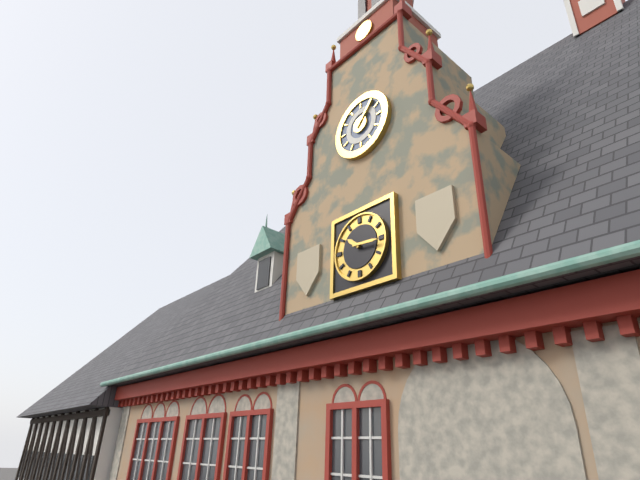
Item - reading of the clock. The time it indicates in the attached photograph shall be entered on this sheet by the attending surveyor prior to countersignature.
10:16
